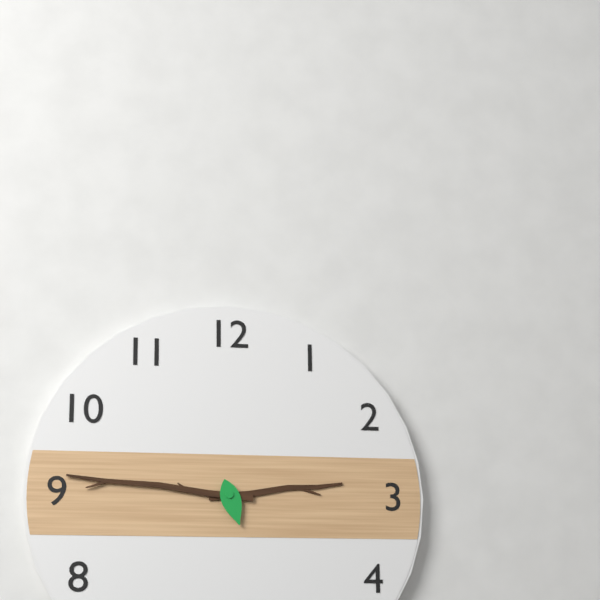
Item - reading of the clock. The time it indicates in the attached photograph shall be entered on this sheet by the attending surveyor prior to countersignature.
2:46
